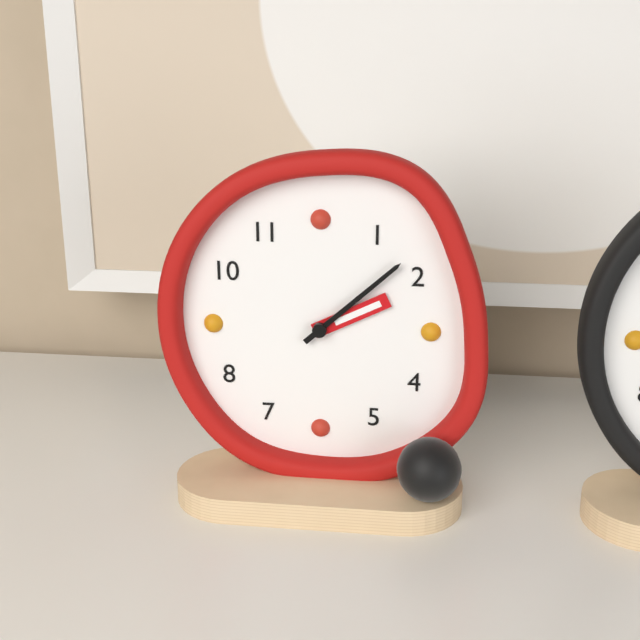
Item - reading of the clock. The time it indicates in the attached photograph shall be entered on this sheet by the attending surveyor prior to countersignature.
2:08
